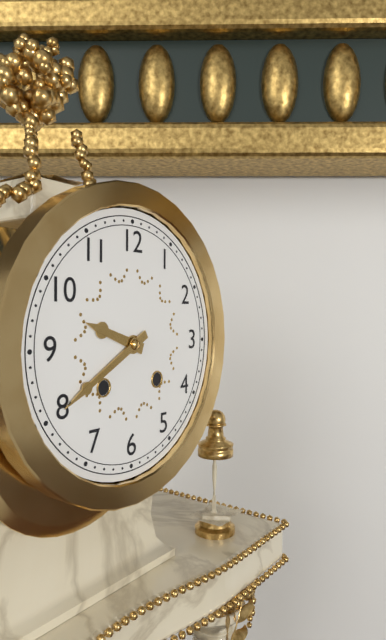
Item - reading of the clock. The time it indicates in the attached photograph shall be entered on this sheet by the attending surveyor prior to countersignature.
9:40
